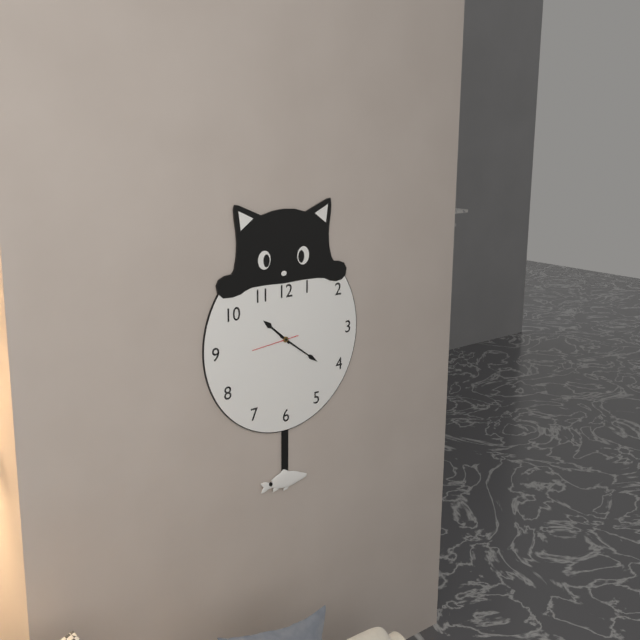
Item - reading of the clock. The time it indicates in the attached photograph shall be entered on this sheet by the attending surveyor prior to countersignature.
10:21
